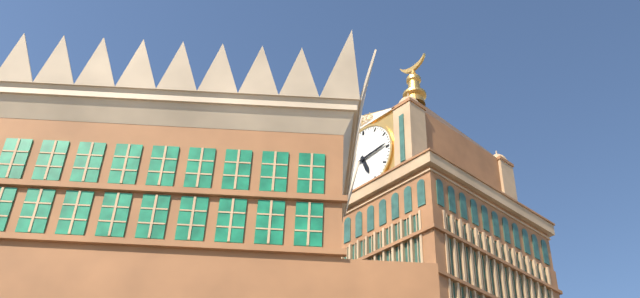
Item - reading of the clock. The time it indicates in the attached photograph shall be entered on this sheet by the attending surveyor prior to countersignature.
5:14
